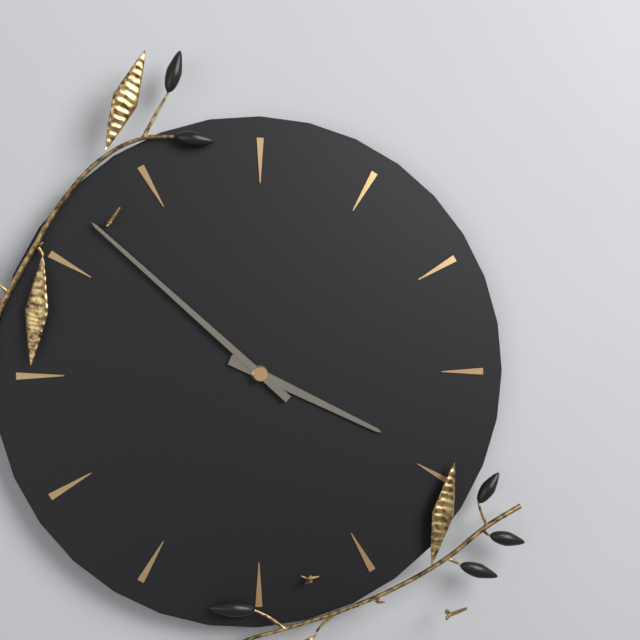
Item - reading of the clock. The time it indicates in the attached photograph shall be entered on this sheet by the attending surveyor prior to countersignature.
3:52
